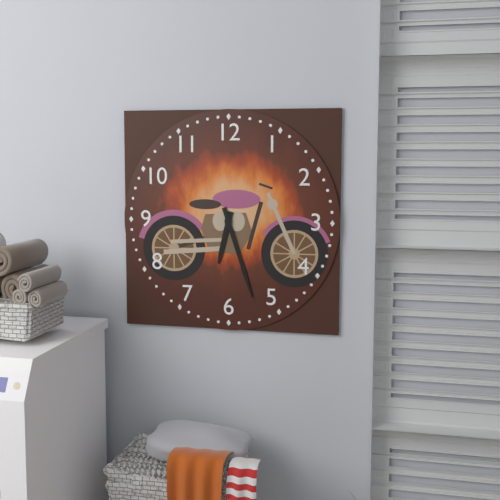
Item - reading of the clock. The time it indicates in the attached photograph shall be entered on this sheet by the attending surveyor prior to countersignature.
6:27
